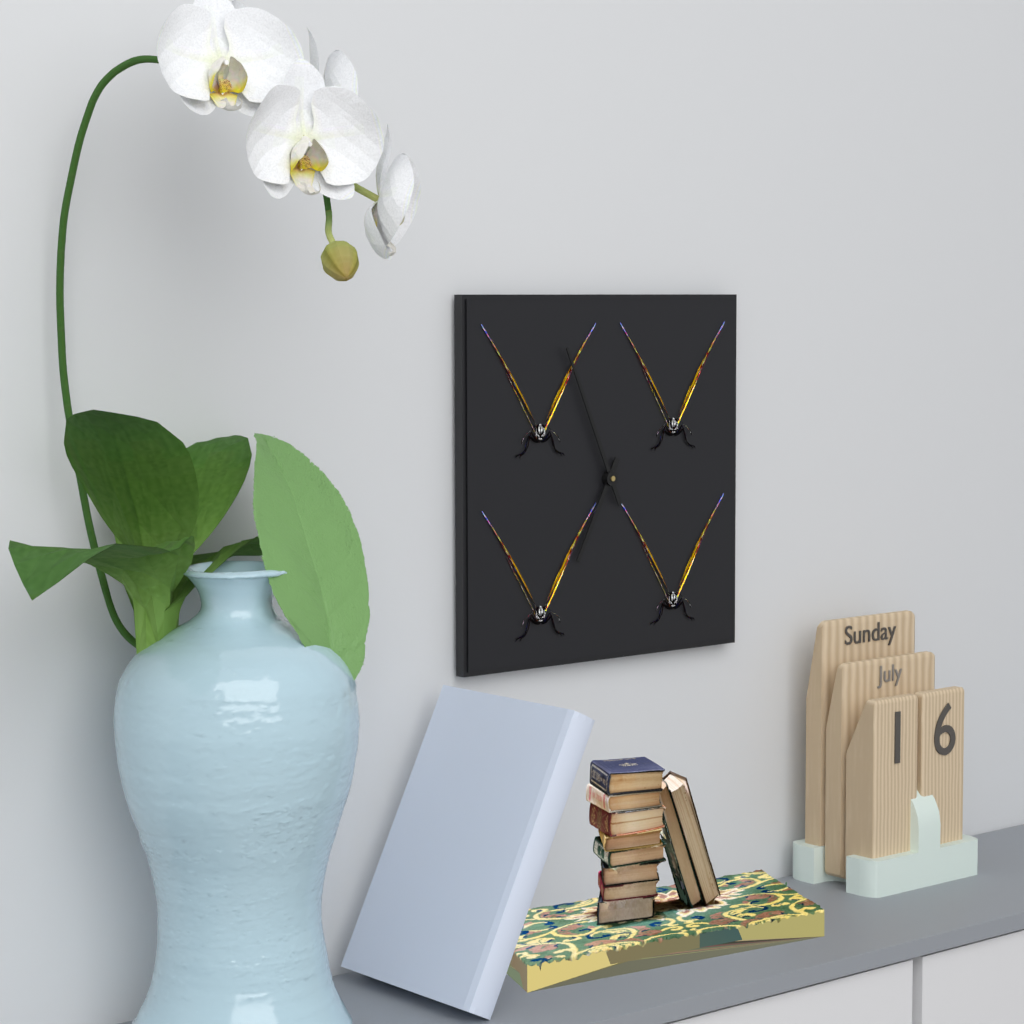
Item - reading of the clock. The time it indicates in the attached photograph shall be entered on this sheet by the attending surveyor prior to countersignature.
6:56
